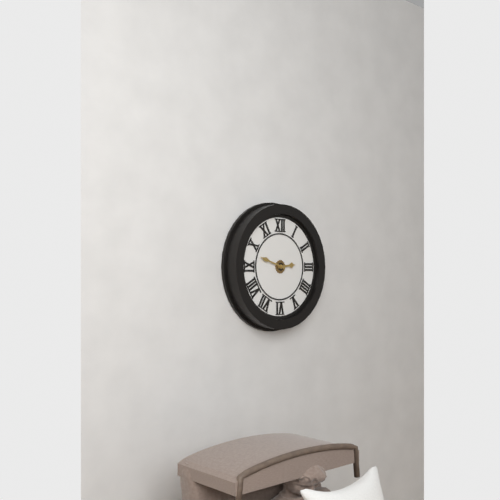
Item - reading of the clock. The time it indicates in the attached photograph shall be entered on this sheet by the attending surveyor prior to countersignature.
2:48
